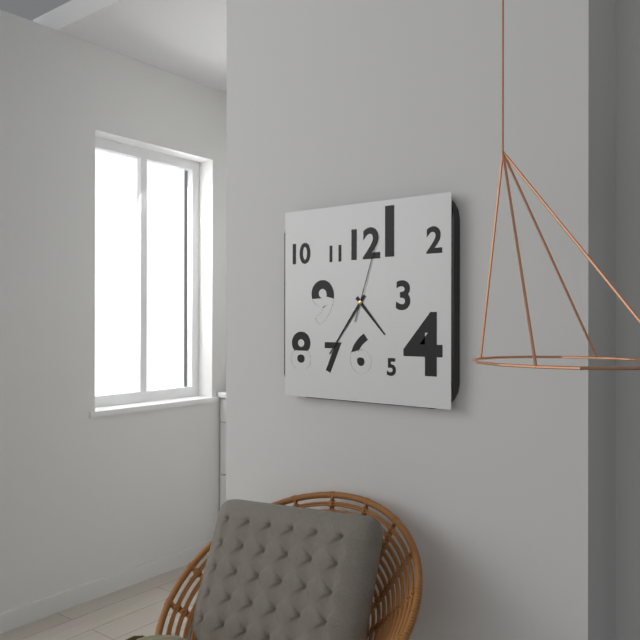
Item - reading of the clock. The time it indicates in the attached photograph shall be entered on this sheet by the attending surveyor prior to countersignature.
4:36:03
